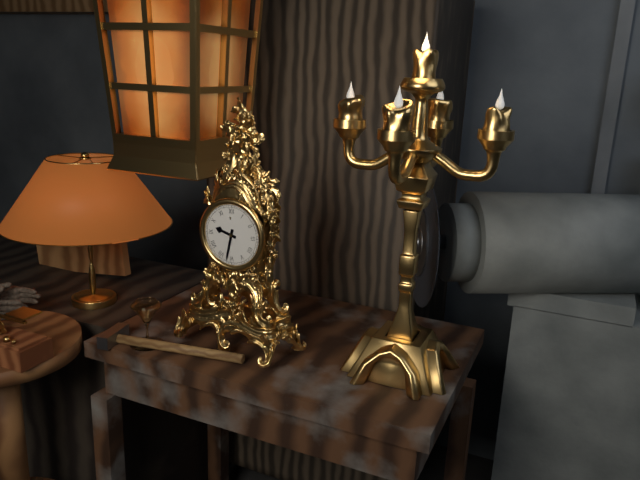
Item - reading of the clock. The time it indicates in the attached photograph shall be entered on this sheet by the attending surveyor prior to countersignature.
9:32
